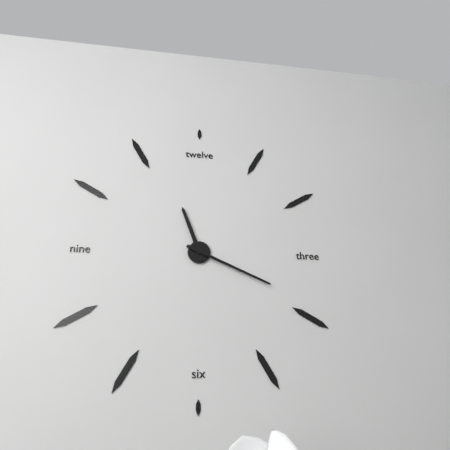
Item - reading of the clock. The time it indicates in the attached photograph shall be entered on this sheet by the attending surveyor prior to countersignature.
11:19
